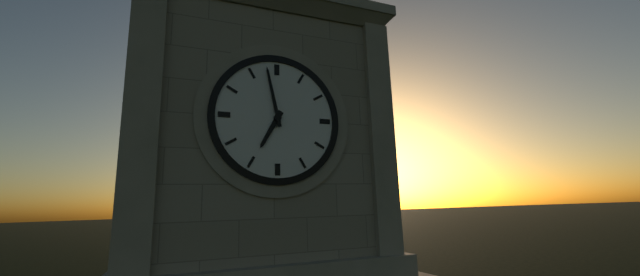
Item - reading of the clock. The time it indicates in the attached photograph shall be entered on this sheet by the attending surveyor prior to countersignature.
6:58
